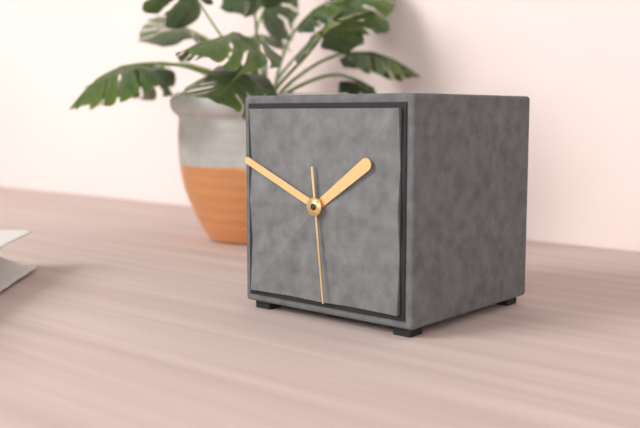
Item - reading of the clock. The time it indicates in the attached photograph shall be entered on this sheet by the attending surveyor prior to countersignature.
1:49:29
